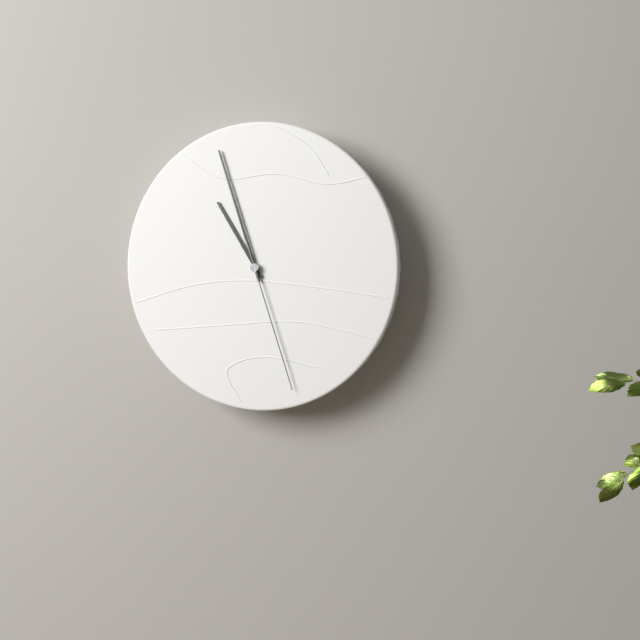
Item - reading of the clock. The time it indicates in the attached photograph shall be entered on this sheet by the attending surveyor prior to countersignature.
10:57:27
